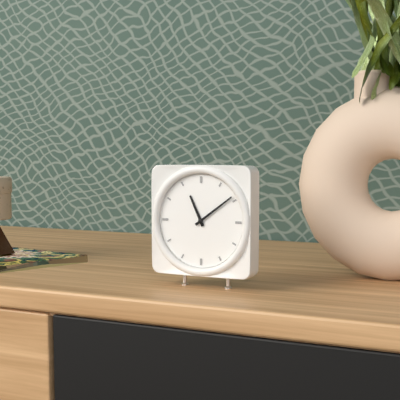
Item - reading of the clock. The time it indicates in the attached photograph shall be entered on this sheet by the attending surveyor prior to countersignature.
11:09
